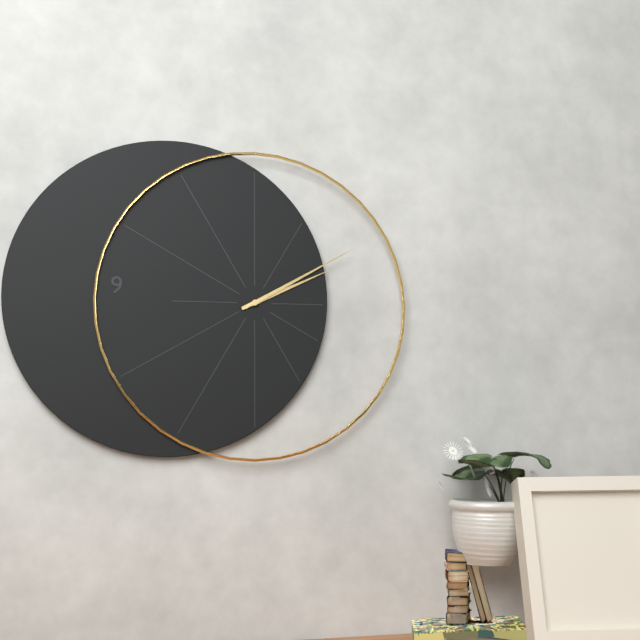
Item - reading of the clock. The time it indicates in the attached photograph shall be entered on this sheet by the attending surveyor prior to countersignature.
2:10
